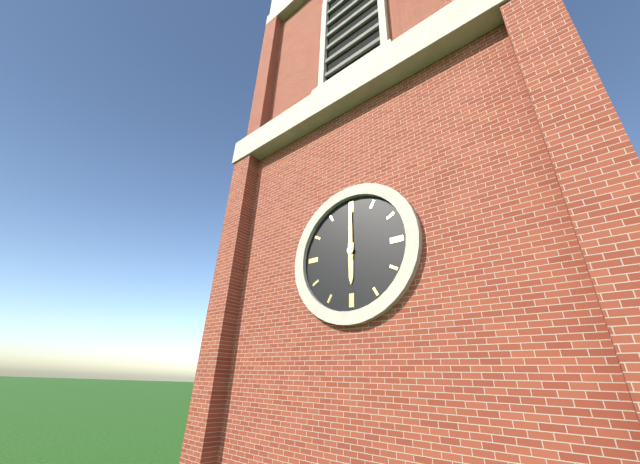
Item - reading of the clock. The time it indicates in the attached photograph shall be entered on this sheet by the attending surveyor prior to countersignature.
6:00
